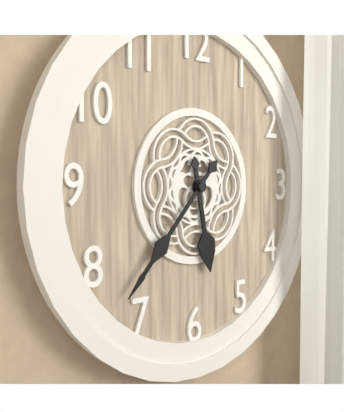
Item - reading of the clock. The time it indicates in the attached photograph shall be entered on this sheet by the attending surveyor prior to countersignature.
5:37
